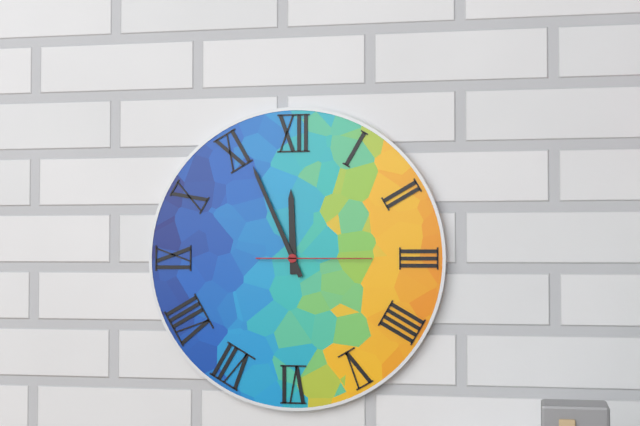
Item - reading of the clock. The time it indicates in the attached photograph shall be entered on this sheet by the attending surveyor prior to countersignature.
11:56:15
